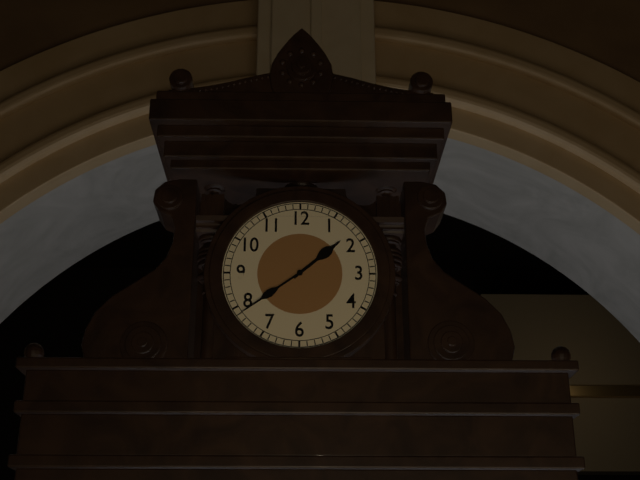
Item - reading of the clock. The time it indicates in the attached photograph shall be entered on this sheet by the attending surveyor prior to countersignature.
1:39
